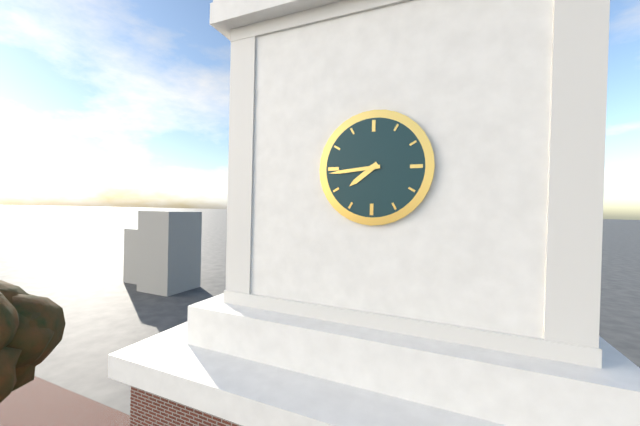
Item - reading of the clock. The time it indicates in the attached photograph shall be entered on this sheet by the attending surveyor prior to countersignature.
7:44
